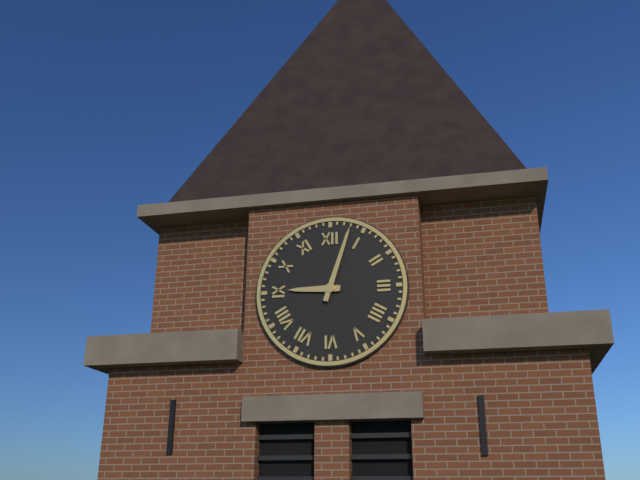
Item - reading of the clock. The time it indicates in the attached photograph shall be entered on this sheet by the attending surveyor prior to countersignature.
9:03
